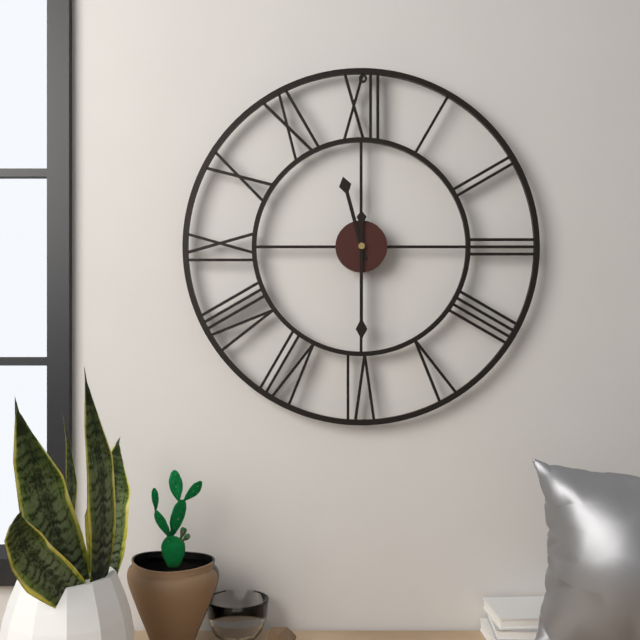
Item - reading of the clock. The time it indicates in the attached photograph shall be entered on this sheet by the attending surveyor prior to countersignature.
11:30
